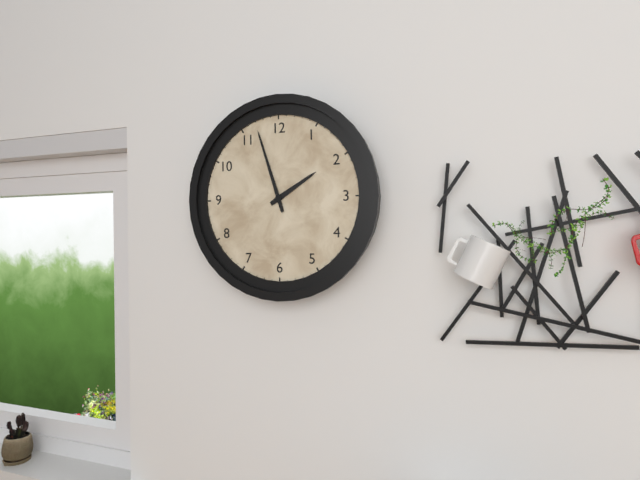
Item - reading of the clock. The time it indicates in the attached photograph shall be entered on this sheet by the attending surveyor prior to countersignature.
1:57
